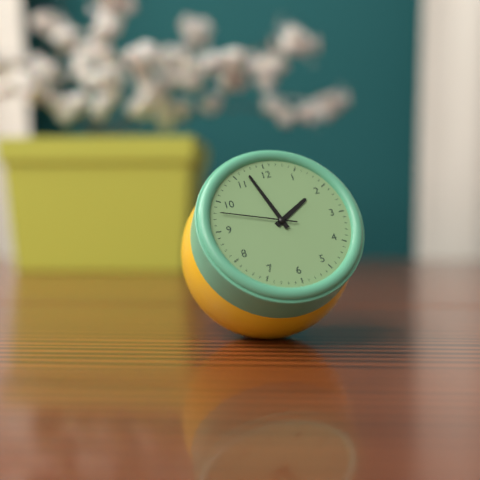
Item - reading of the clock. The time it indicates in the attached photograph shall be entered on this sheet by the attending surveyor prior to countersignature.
1:57:48
